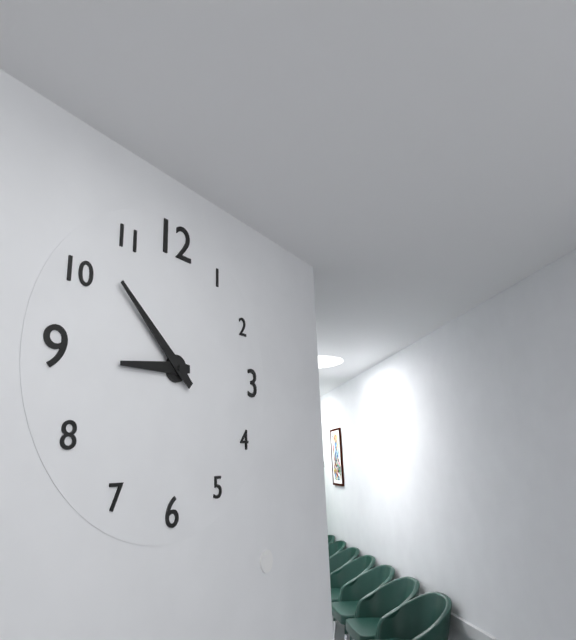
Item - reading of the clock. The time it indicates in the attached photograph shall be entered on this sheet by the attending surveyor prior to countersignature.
8:52
